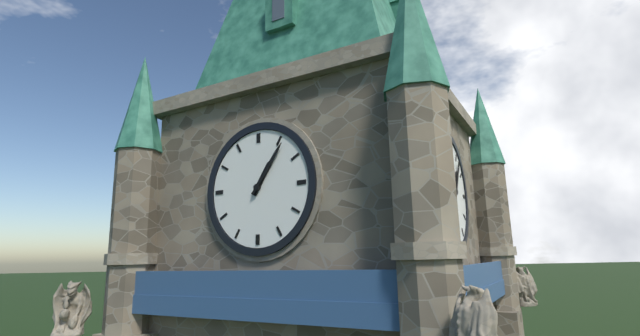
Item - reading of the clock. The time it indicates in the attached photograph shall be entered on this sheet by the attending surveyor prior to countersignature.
1:06
